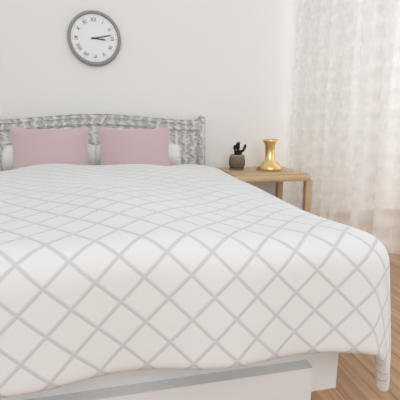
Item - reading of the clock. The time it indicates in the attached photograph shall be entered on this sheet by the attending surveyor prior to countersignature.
3:13
